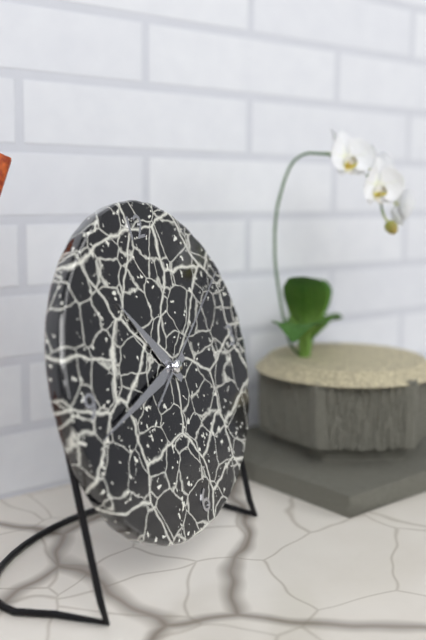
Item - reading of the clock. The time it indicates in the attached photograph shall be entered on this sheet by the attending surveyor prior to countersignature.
10:43:10
